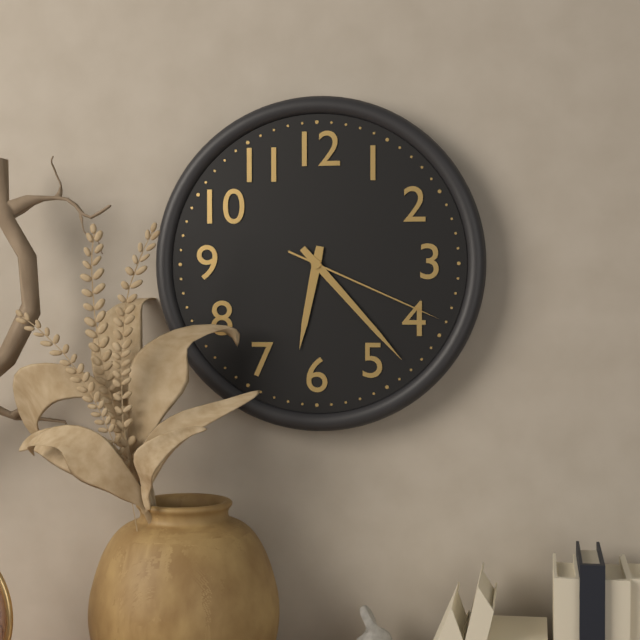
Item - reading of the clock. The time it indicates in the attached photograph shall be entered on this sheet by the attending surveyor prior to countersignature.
6:23:19
